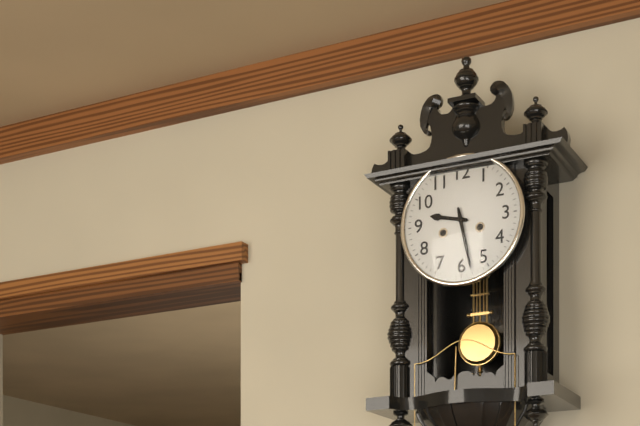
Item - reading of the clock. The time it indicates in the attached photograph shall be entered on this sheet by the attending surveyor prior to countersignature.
9:28
